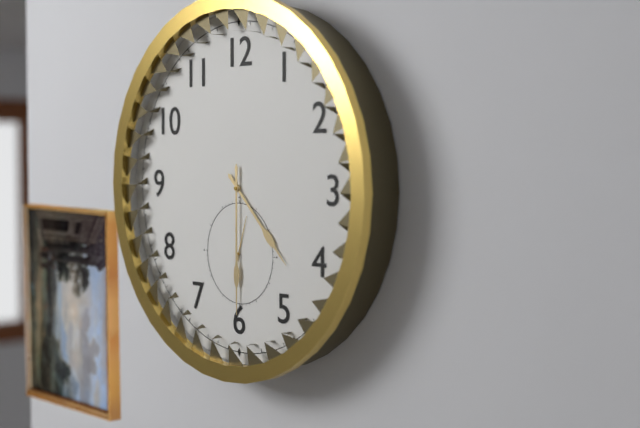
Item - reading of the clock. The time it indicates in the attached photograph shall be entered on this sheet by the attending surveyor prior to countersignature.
4:30
